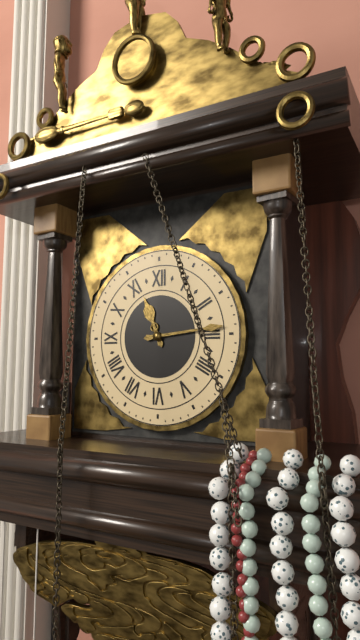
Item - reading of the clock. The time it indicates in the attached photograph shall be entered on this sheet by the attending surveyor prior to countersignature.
11:14
